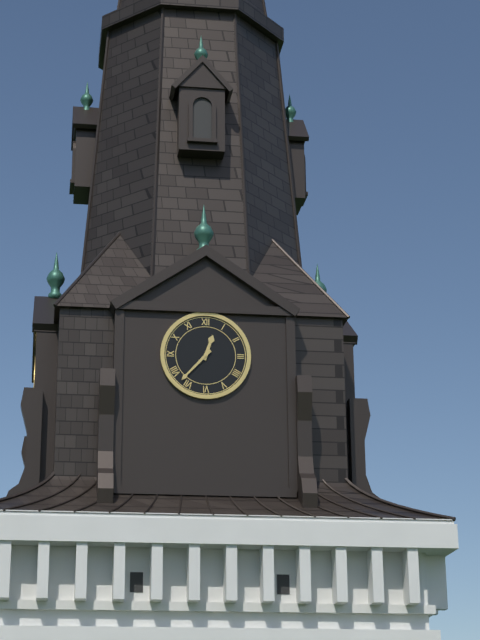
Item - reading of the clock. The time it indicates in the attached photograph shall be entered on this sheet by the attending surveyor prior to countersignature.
12:37
